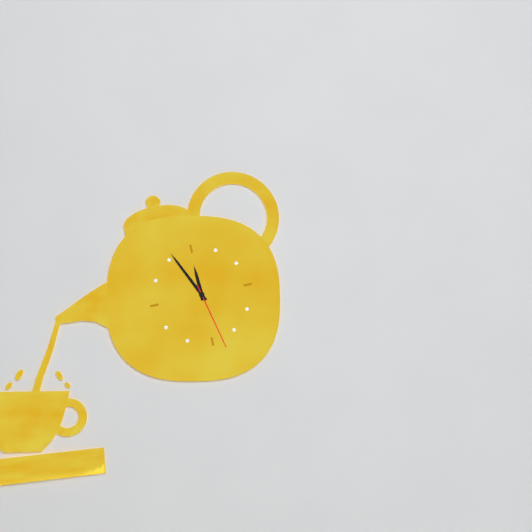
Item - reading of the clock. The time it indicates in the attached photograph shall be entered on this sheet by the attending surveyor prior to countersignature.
11:56:28
